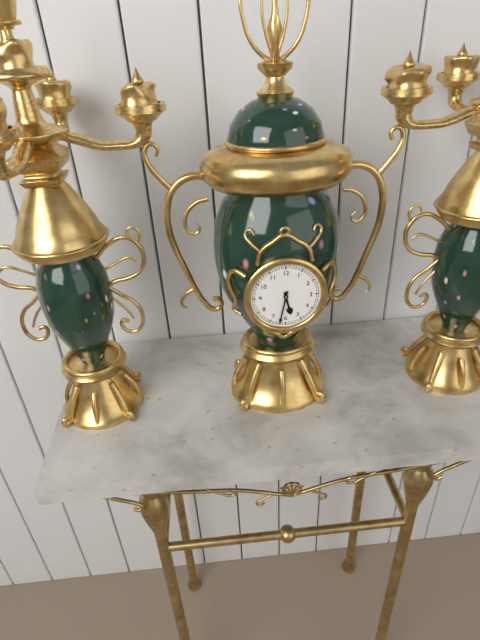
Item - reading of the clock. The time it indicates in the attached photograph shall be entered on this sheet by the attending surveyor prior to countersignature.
5:32
